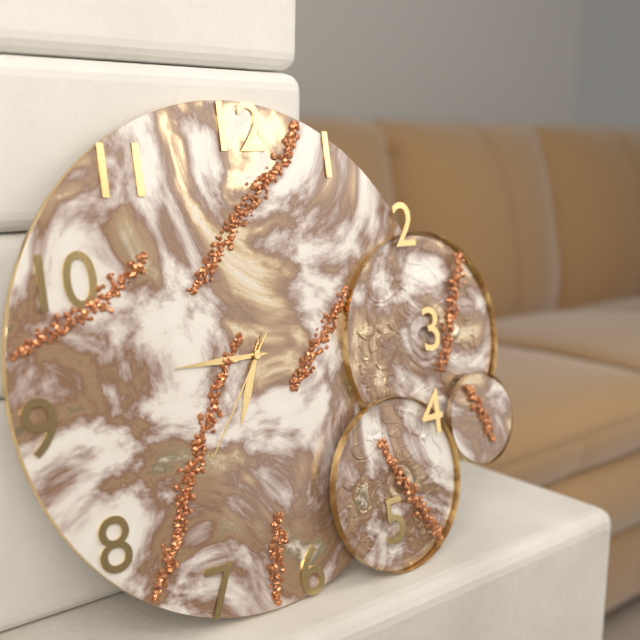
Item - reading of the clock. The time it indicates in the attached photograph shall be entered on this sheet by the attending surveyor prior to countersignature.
6:45:36
